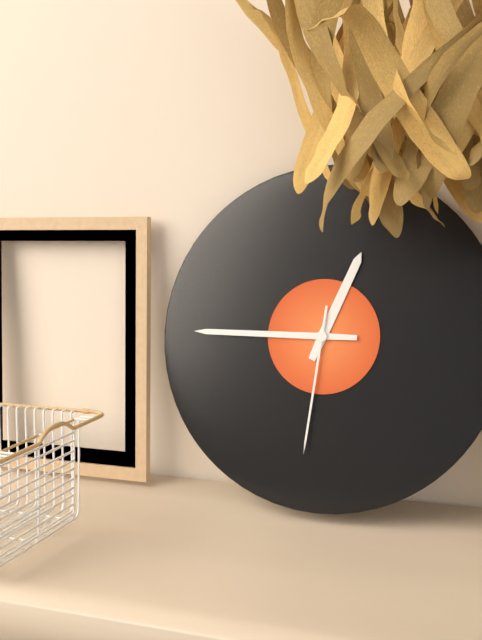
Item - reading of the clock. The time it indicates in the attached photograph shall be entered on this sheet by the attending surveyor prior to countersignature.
12:45:31
